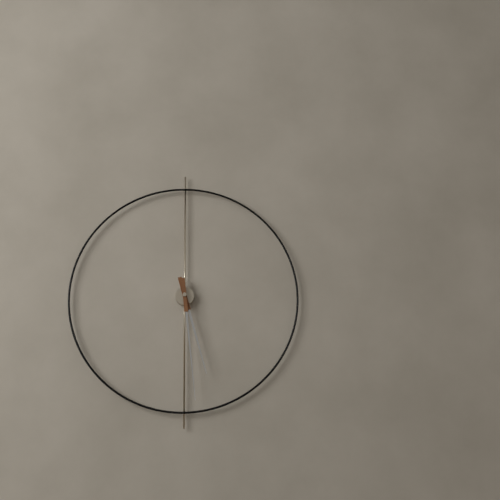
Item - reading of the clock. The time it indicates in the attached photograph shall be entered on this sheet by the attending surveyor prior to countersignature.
5:29
